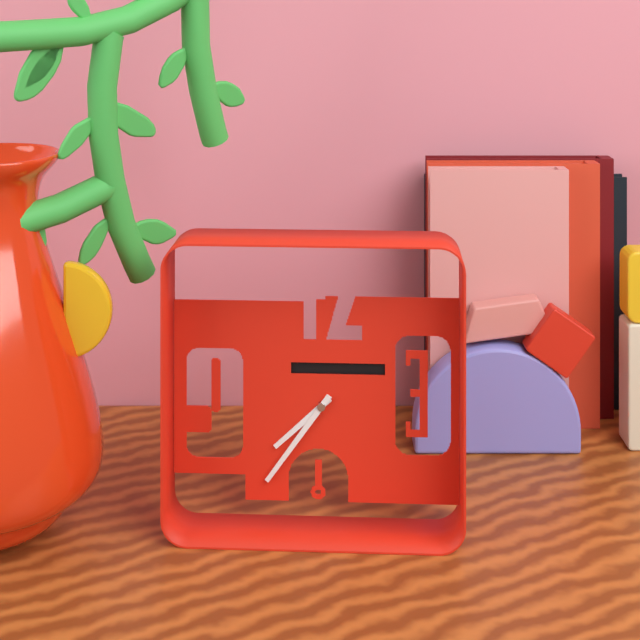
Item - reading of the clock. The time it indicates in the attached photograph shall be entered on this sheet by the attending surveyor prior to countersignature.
7:36
